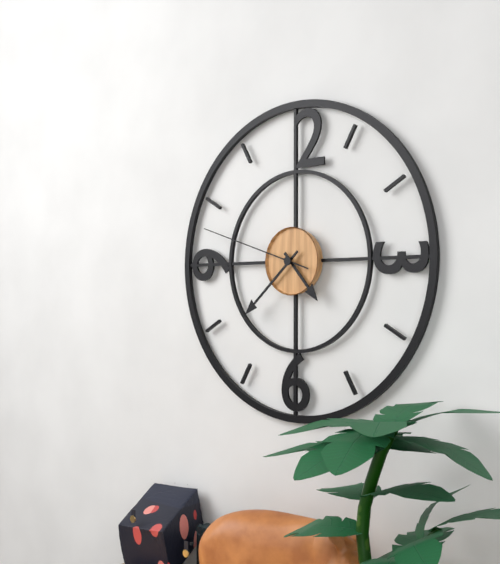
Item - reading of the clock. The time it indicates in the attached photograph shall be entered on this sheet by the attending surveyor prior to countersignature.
4:38:48
